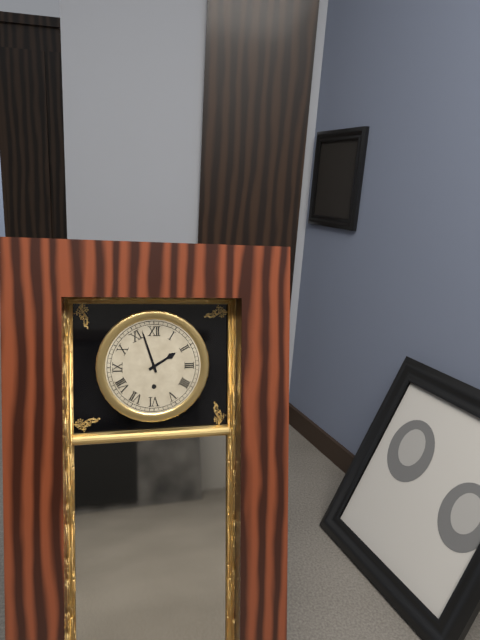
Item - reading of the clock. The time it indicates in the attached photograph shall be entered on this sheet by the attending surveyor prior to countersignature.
1:57
